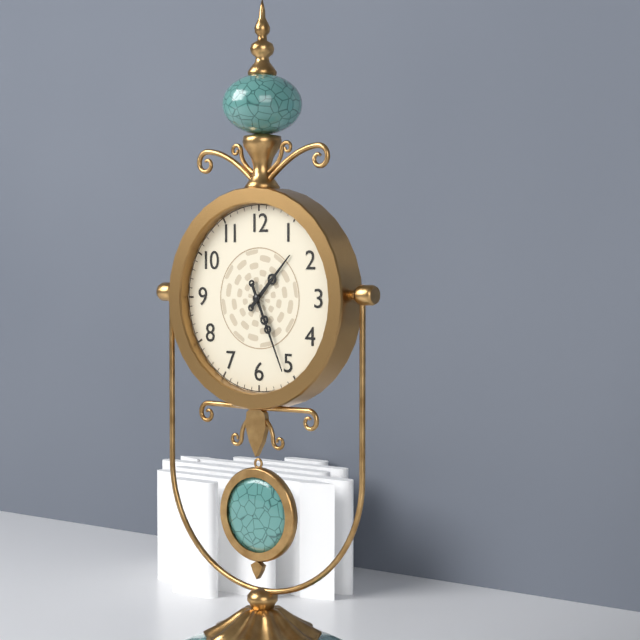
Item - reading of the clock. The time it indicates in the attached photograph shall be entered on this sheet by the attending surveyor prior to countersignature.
1:26
